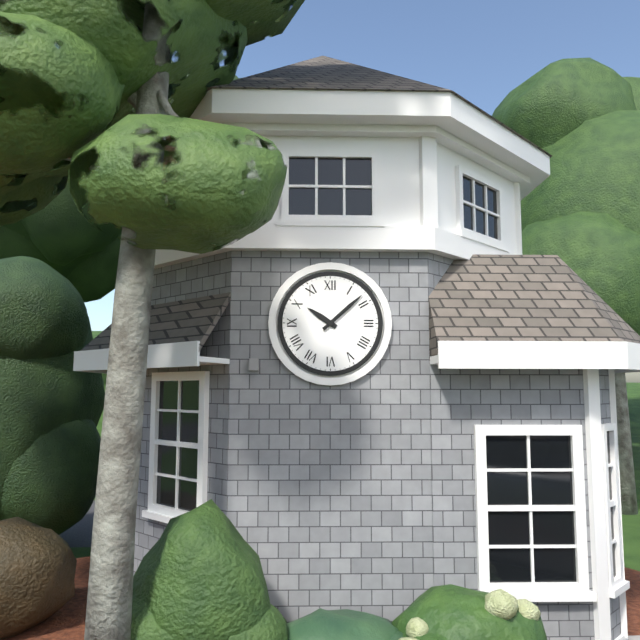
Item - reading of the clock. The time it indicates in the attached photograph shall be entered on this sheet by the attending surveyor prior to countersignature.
10:08
